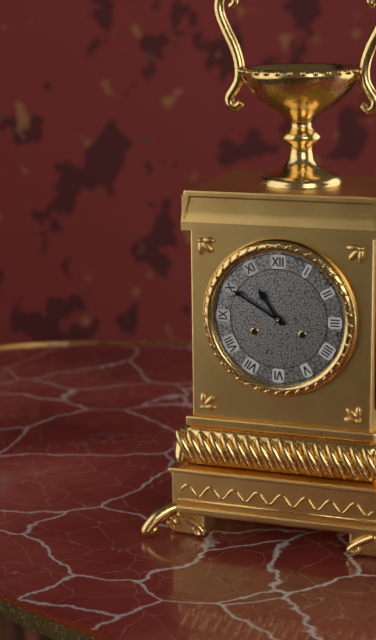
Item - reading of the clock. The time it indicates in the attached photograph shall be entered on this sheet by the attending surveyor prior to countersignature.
10:50
